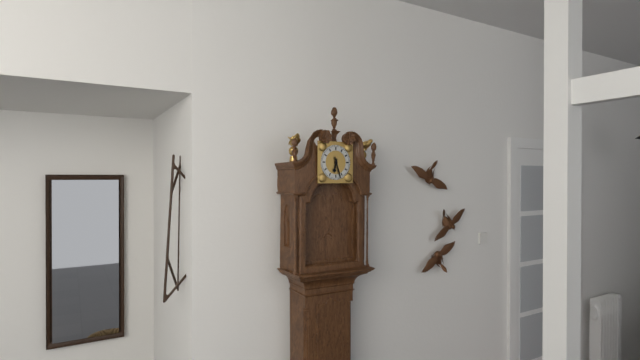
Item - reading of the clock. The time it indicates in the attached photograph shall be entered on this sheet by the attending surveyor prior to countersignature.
6:27
